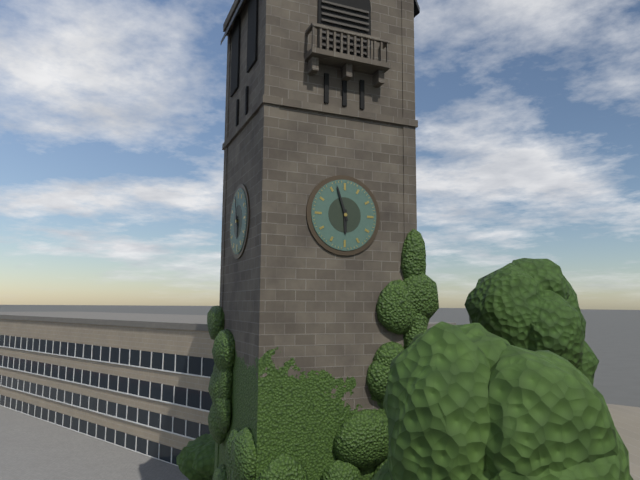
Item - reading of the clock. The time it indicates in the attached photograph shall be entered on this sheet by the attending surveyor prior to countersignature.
5:57
